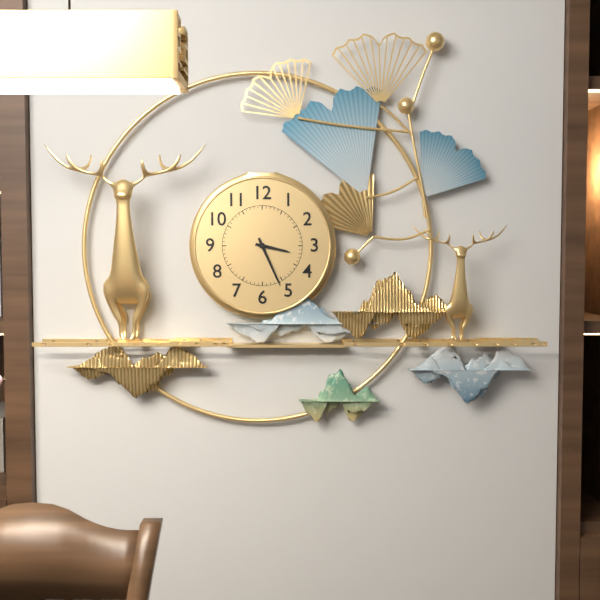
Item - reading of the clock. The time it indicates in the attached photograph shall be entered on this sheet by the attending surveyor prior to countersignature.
3:26
